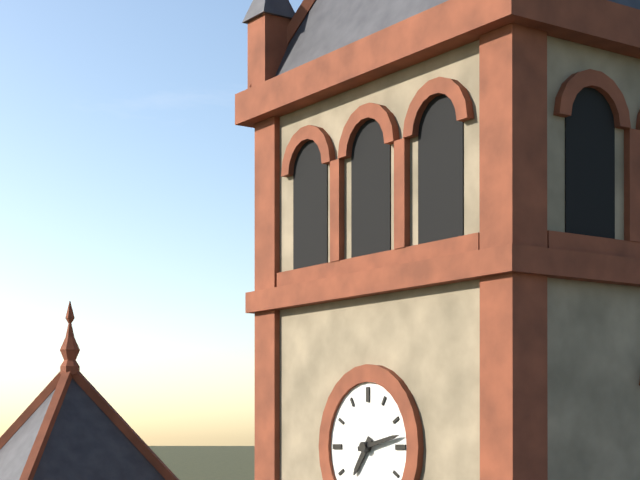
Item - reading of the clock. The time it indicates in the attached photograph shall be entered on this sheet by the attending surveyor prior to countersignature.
7:13
